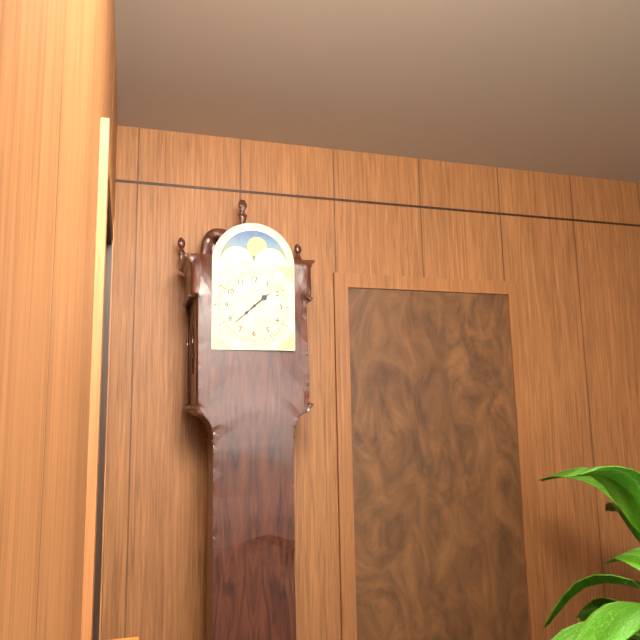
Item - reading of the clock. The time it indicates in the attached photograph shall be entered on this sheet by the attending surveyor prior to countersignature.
1:38
